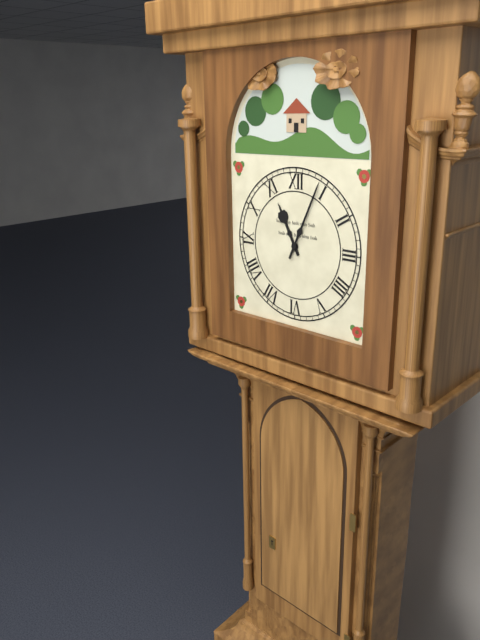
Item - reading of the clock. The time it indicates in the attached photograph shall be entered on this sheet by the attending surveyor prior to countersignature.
11:04
